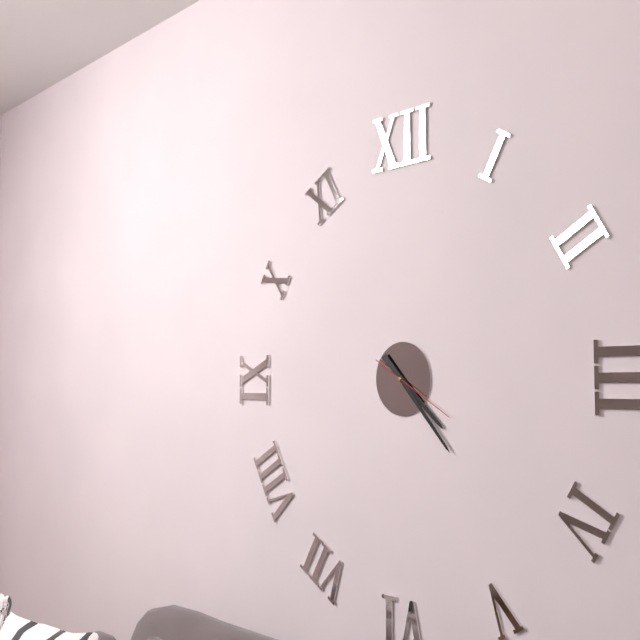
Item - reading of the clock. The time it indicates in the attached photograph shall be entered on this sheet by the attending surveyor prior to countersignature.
4:23:20
